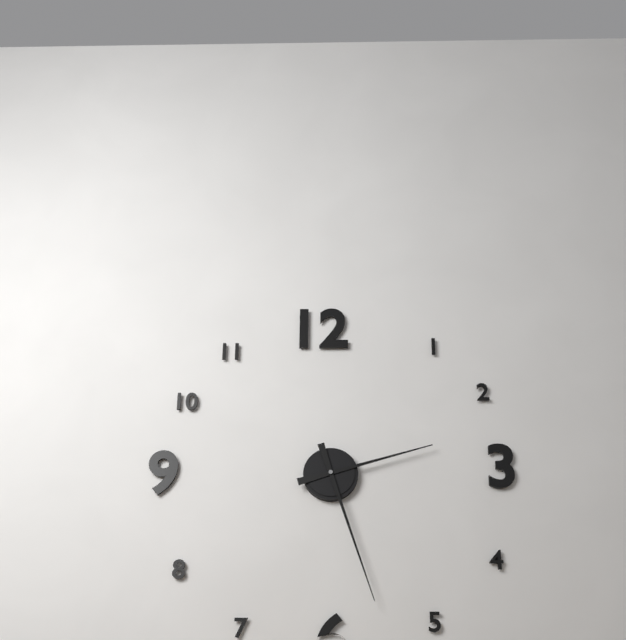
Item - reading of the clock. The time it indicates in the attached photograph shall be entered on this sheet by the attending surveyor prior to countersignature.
2:27
